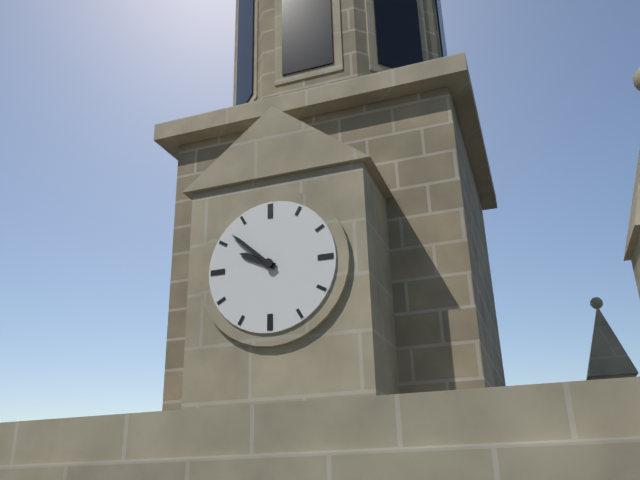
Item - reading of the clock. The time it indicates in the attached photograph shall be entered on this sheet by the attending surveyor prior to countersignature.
9:52
